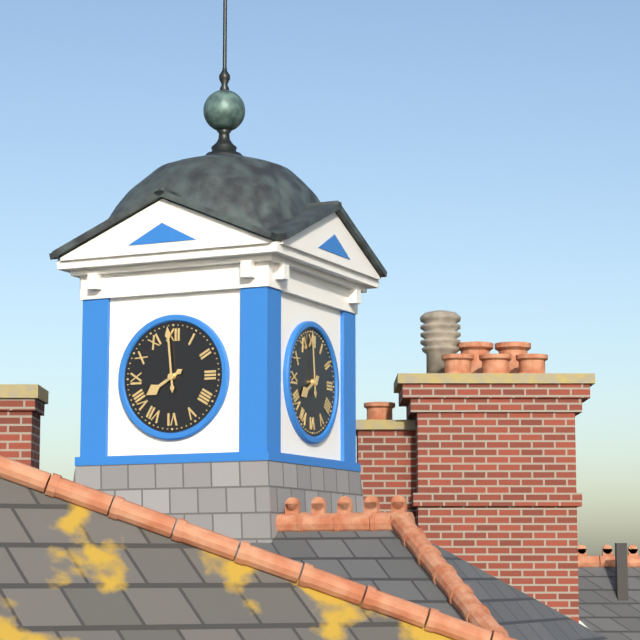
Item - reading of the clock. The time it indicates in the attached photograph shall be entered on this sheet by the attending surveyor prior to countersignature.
7:59
